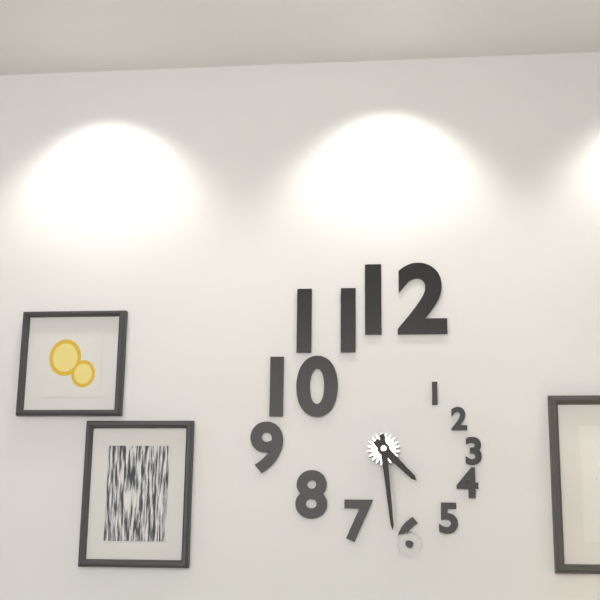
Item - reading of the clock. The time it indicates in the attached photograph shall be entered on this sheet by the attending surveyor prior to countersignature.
4:29
